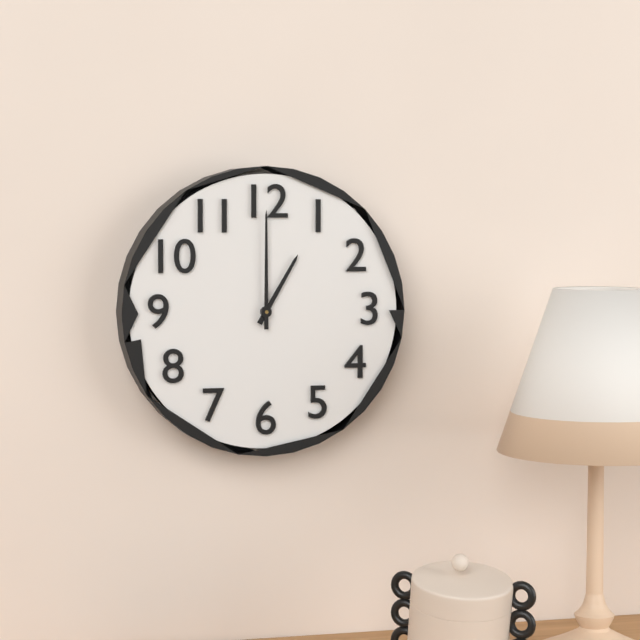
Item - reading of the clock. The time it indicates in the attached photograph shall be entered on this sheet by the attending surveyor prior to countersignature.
1:00
